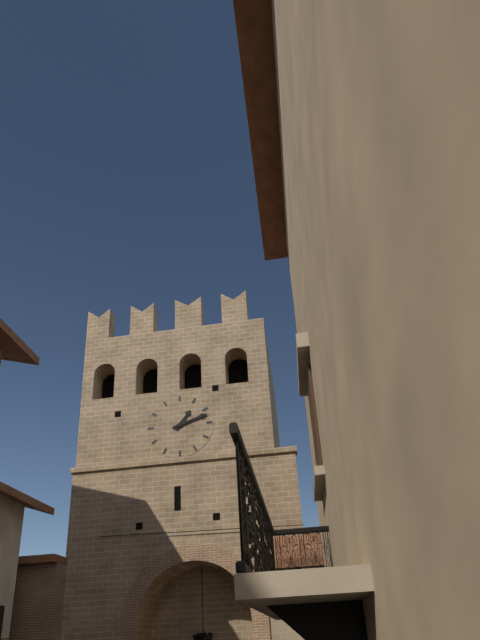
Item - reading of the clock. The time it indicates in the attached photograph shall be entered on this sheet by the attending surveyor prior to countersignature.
1:12
